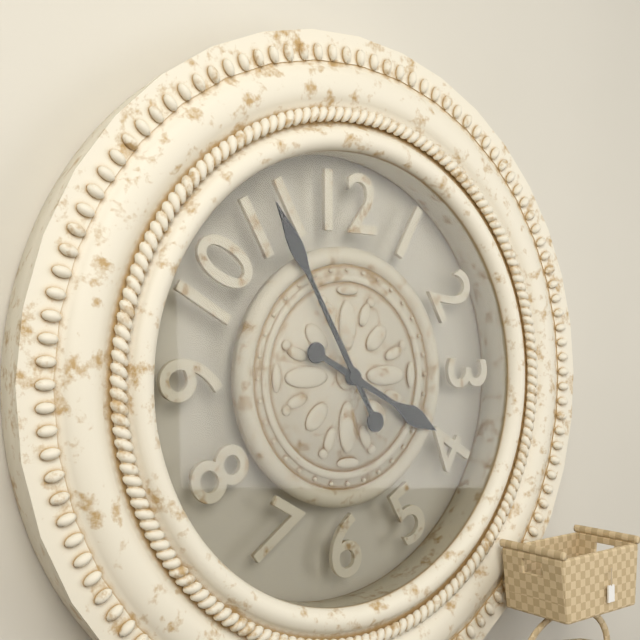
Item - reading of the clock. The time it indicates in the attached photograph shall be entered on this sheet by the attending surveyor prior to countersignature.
3:55
